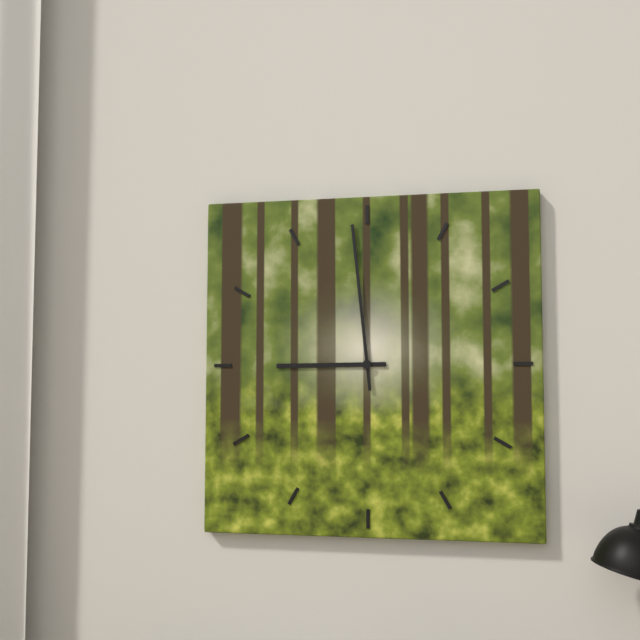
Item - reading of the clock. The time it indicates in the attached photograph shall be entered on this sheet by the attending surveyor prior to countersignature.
8:59
